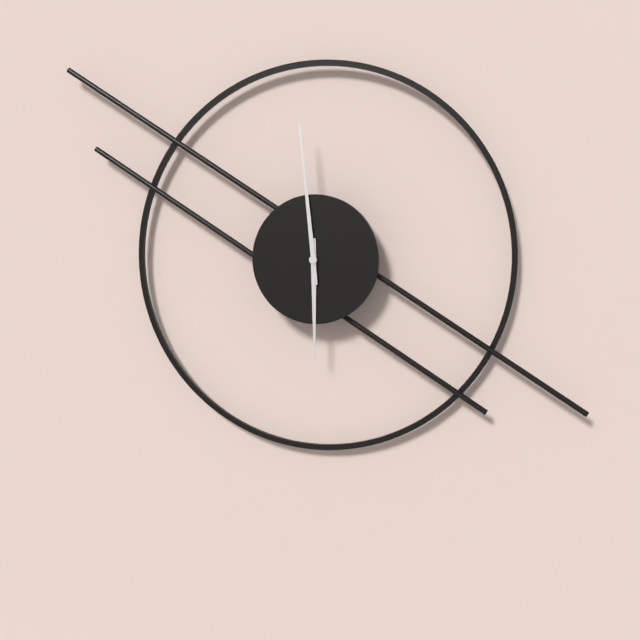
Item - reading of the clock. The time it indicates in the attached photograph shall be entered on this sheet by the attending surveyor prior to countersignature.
5:59
